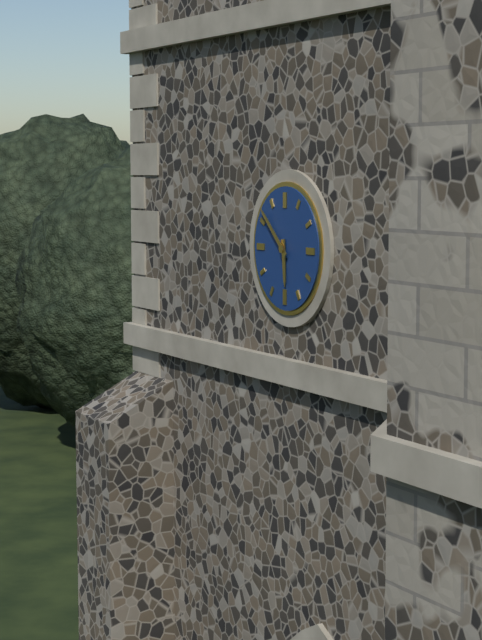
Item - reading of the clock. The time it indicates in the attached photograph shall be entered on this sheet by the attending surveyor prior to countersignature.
5:52
